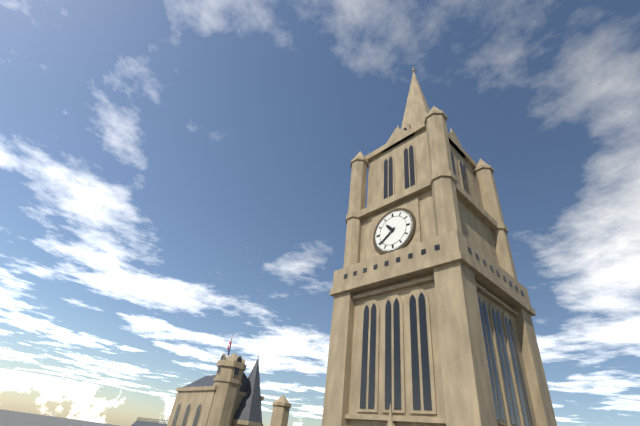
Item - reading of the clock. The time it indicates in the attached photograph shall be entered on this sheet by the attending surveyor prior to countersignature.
10:39
